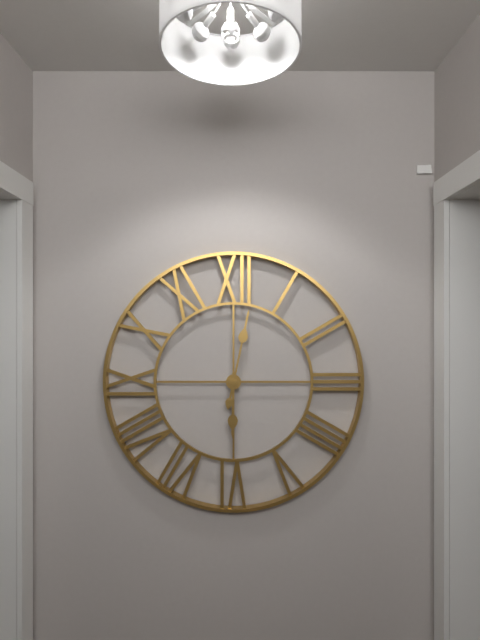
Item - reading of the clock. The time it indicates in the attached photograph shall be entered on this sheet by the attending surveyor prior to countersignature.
6:02
